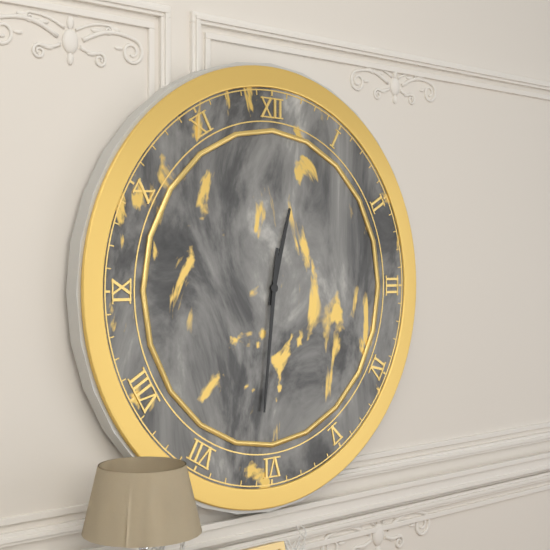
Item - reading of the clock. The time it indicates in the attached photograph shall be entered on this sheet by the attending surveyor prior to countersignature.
12:31
